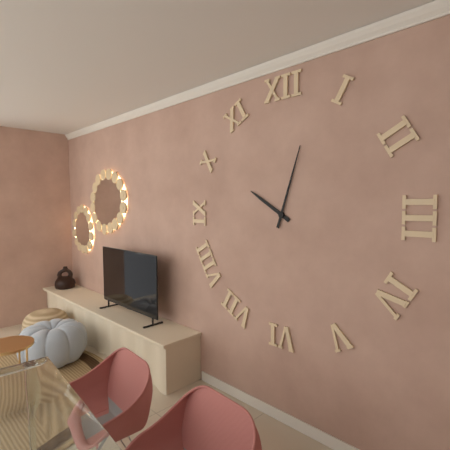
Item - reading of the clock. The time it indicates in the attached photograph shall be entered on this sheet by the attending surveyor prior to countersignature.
10:03
